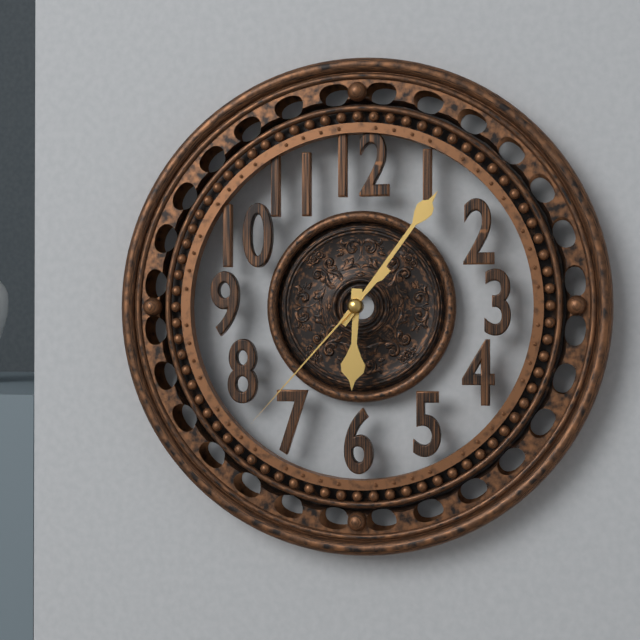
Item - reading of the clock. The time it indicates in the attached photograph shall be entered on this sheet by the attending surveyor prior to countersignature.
6:06:37
